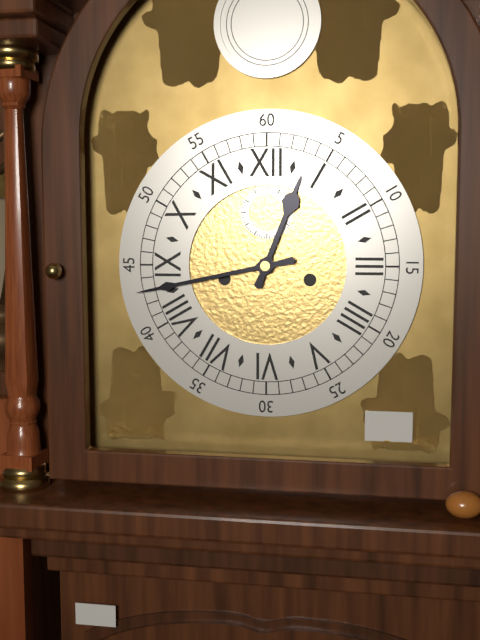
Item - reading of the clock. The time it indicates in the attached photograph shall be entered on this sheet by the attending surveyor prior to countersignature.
12:43
